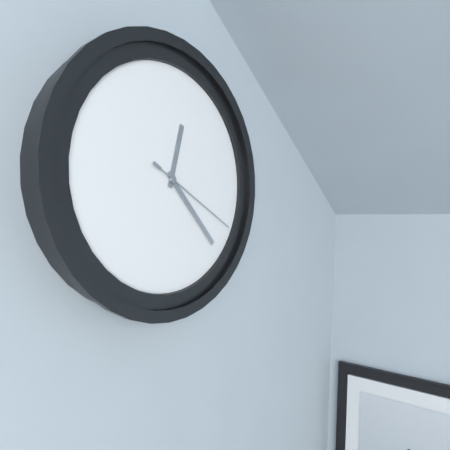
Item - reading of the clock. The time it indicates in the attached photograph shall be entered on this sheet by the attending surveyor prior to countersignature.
12:22:19
